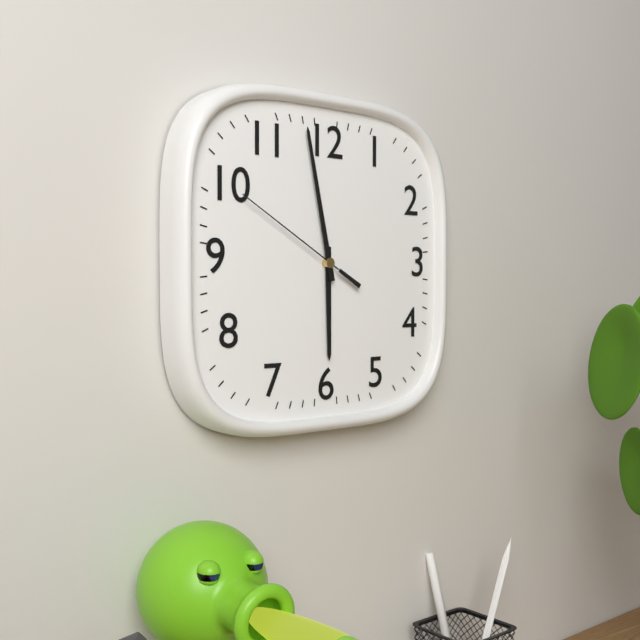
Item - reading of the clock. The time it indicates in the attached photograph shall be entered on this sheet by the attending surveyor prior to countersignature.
5:58:50
